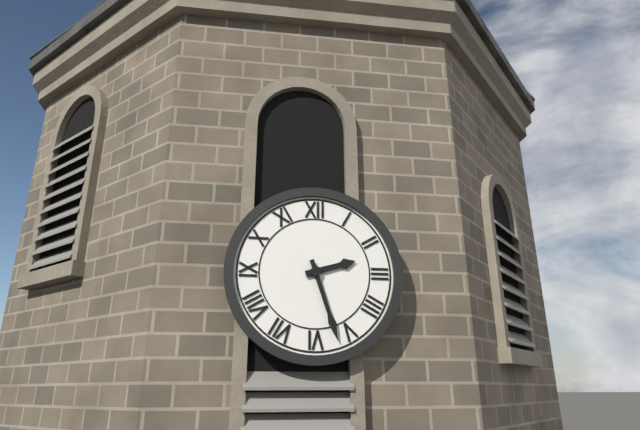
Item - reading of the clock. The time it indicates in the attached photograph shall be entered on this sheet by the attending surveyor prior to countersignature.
2:27
